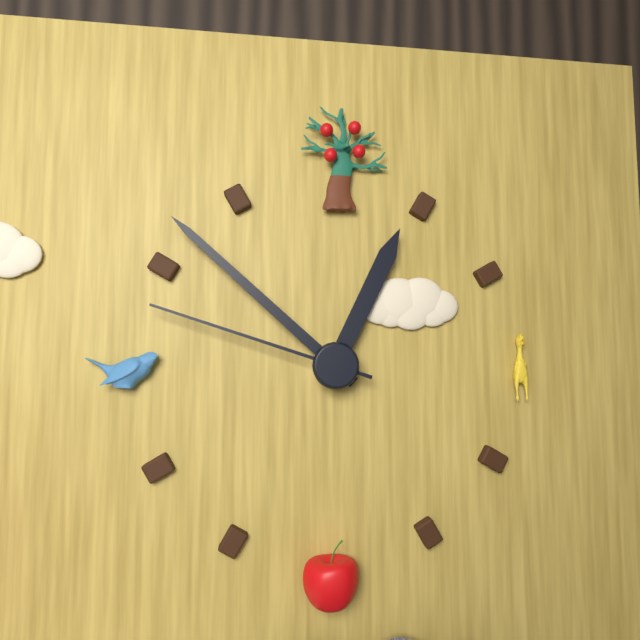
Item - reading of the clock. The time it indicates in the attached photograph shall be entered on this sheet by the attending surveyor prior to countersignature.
12:52:48
